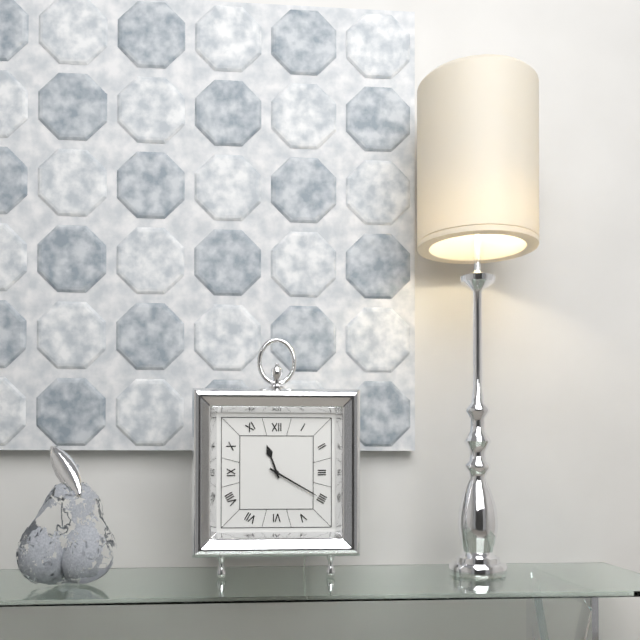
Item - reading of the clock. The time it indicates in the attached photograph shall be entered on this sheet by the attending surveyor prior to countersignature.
11:20
